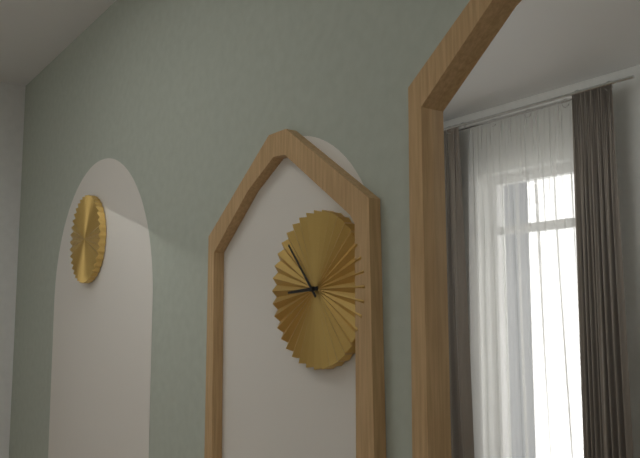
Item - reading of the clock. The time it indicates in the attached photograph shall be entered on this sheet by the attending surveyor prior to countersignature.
8:53
